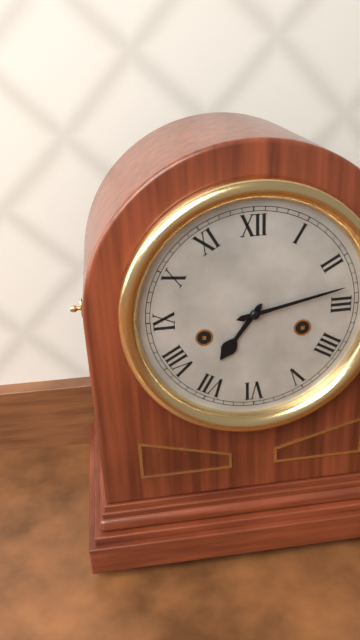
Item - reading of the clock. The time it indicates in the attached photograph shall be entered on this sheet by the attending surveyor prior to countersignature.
7:13
